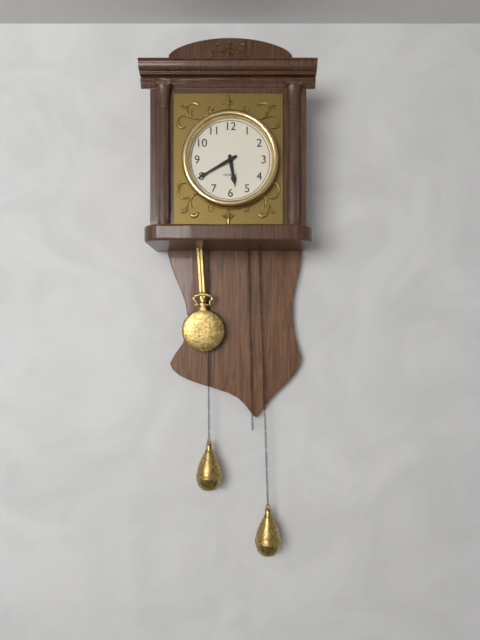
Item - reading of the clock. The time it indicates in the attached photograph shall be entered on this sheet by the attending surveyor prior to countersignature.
5:40
